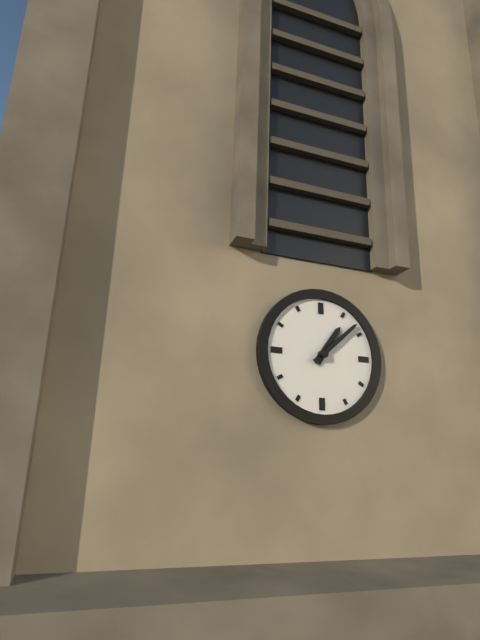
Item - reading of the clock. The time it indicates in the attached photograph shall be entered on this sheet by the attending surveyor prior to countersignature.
1:08
